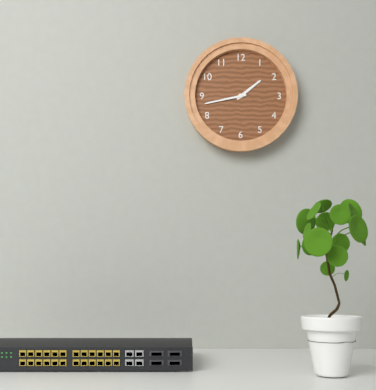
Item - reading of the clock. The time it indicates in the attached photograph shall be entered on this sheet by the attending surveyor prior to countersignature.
1:43
